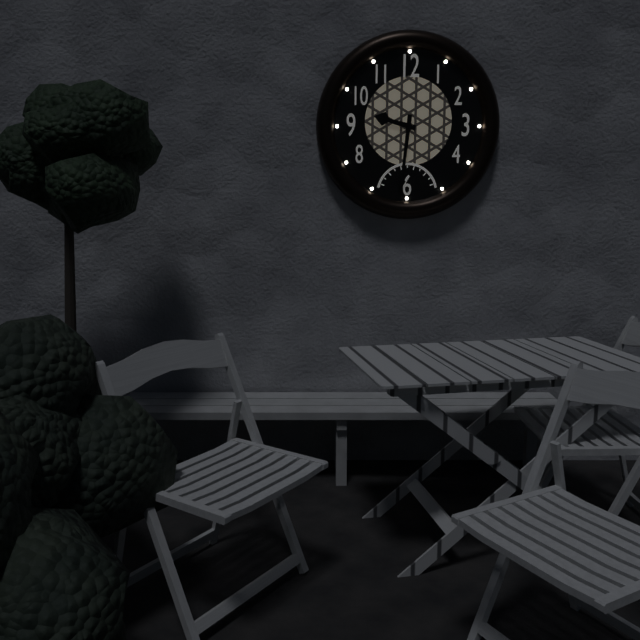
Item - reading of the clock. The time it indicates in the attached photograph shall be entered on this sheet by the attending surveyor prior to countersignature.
9:31
